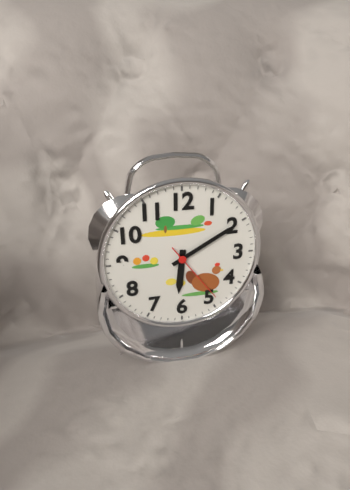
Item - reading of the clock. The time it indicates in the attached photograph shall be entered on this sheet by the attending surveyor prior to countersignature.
6:10:24
